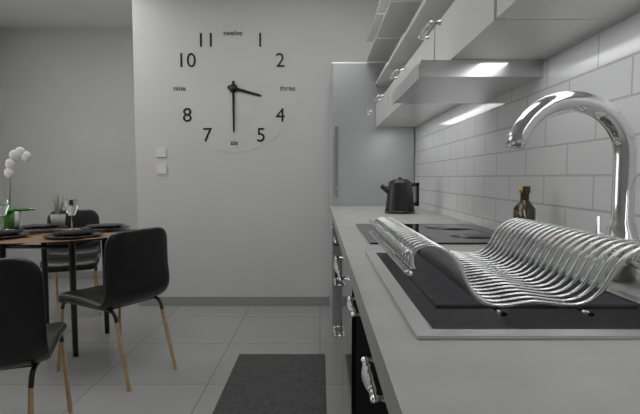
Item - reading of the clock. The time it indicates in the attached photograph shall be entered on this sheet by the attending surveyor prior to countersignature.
3:30
